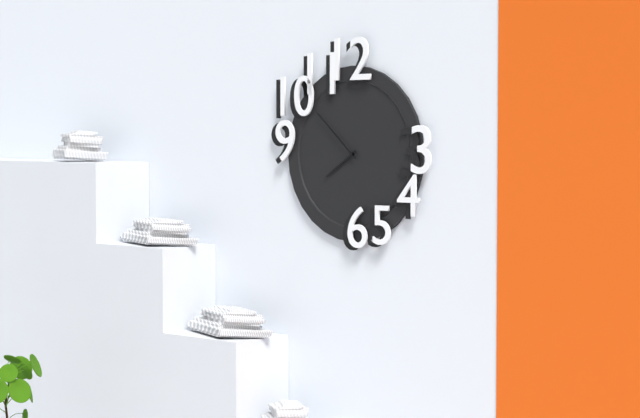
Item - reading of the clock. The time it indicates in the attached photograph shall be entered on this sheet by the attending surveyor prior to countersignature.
7:52
